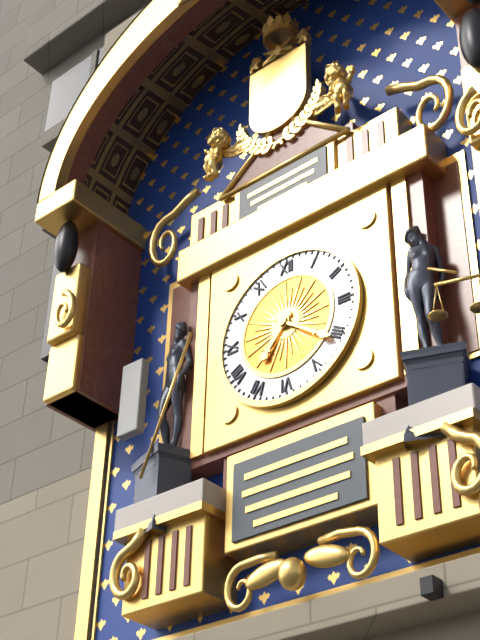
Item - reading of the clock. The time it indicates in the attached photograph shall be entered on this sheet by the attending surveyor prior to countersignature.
7:21
